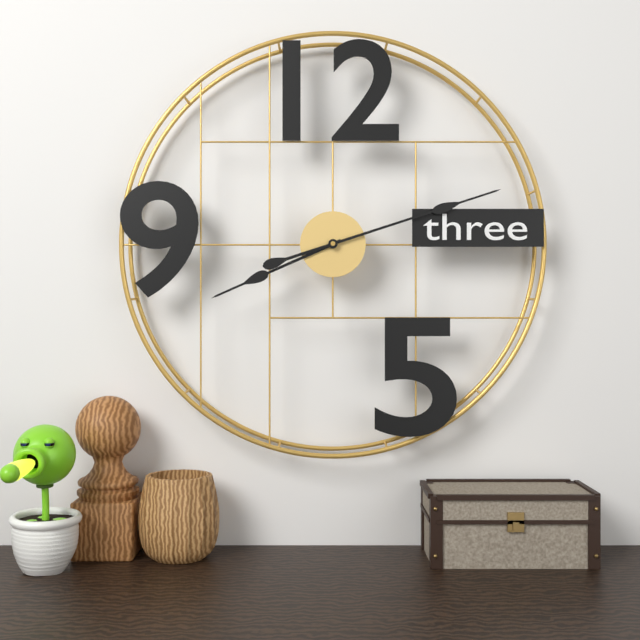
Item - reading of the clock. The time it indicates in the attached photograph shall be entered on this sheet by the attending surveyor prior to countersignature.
8:12
